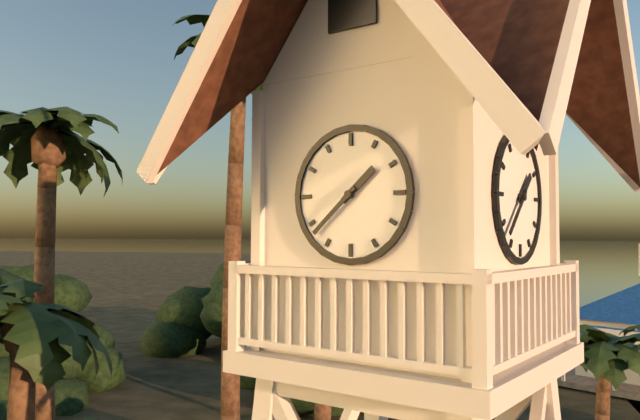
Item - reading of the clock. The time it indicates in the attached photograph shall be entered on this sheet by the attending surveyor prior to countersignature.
1:38
